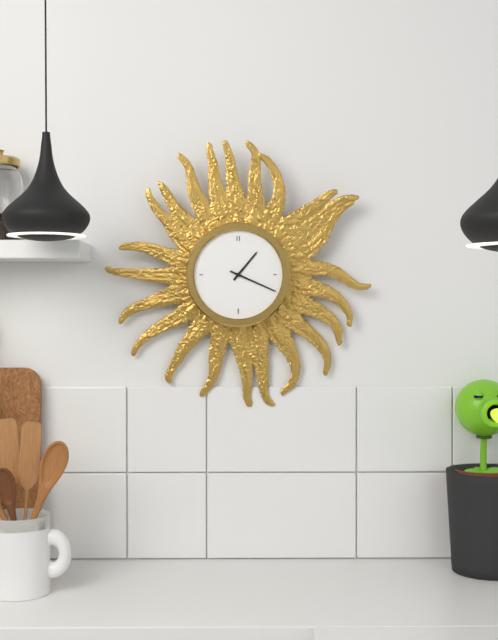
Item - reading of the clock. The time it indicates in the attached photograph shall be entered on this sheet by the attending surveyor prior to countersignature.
1:19
